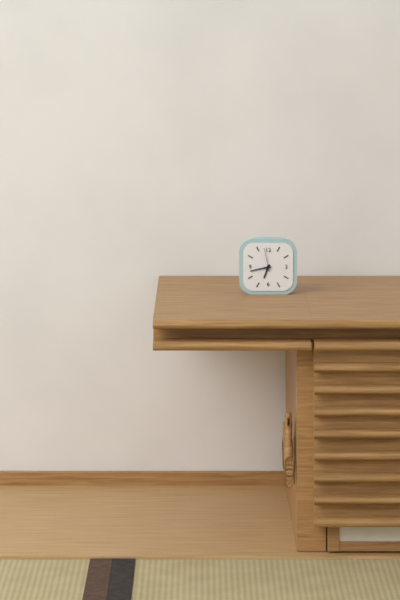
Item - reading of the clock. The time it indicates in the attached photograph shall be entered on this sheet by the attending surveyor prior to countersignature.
6:43
